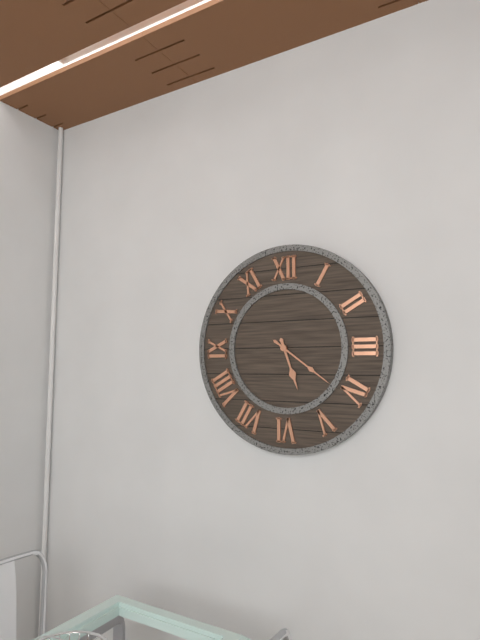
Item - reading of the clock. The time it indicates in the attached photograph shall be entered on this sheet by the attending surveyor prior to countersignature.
5:21
